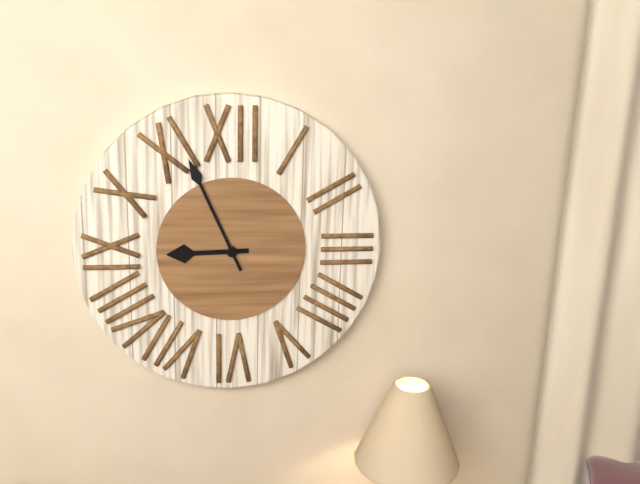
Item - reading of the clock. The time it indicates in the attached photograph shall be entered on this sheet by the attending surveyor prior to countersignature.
8:56
